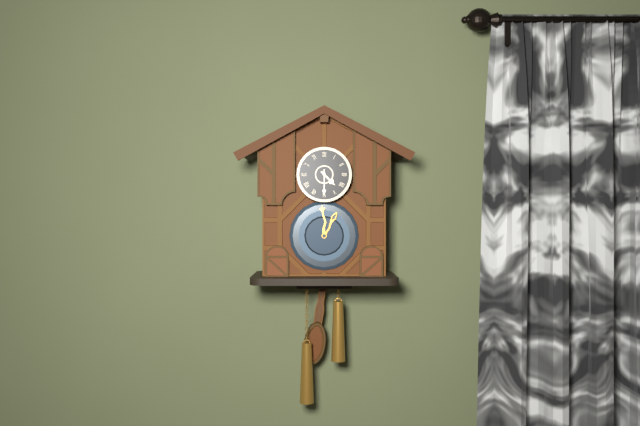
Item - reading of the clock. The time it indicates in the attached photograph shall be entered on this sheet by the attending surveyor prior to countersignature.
4:30
